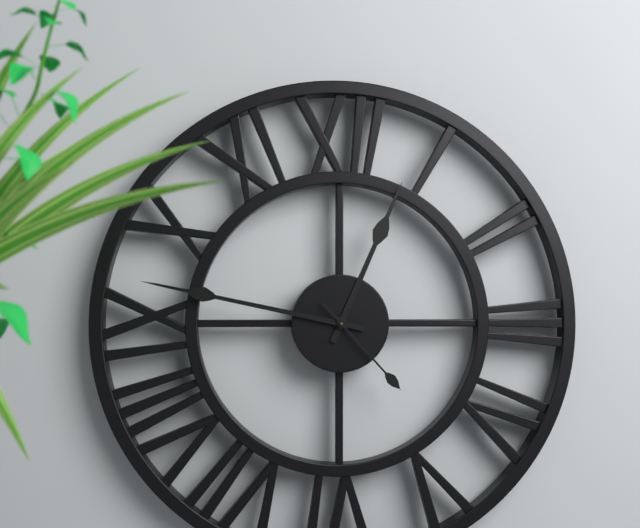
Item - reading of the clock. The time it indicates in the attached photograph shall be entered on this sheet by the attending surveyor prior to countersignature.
12:47:23
